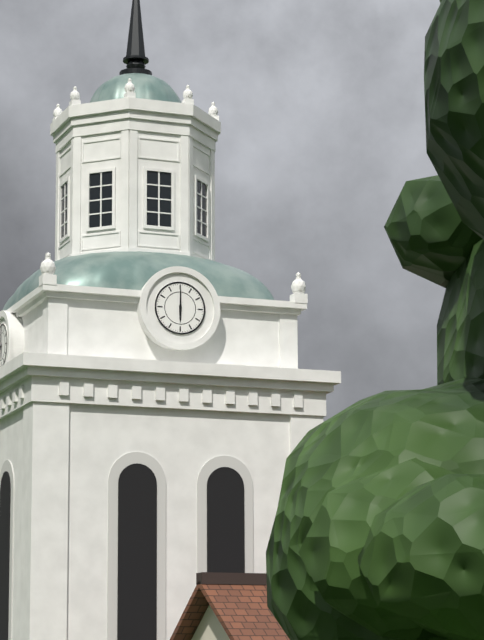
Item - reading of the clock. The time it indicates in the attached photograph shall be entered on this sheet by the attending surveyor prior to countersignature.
6:00
